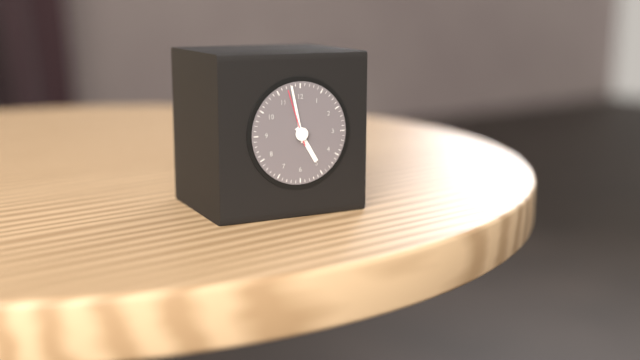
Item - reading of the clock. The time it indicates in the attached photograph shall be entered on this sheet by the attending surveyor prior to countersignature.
4:58:57
